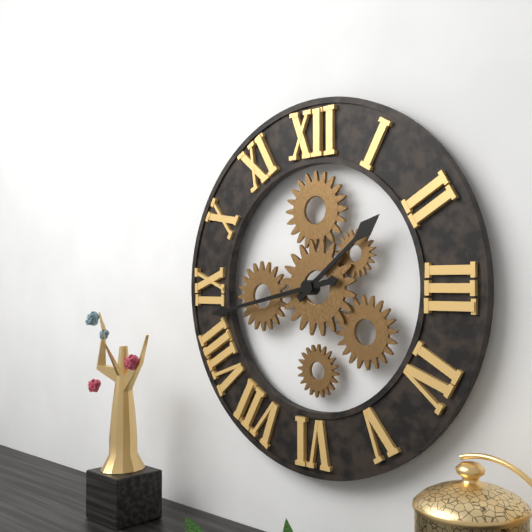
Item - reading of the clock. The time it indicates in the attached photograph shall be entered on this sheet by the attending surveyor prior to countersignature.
1:43
